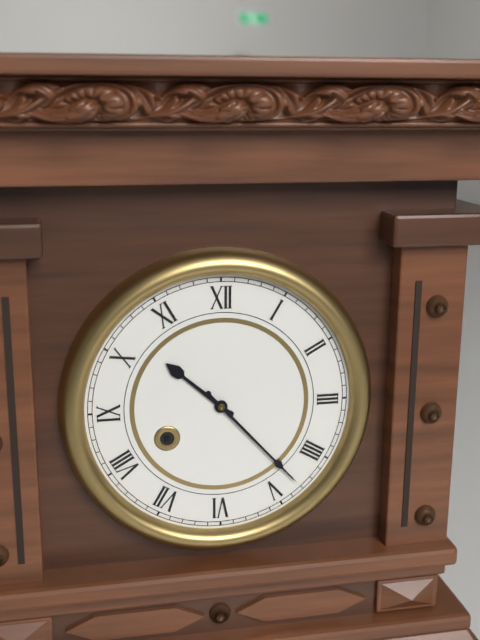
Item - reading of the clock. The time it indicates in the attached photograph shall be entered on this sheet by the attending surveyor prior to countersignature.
10:23
